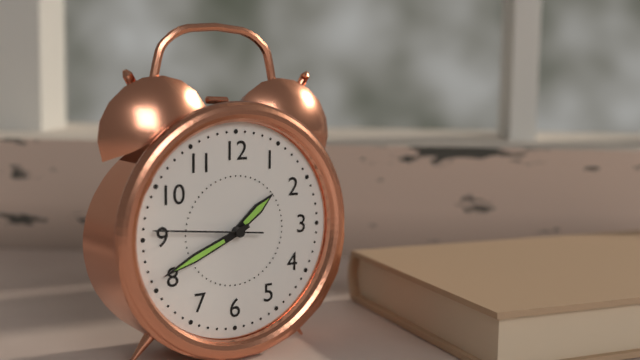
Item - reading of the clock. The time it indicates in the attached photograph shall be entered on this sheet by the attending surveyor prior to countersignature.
1:41:46
